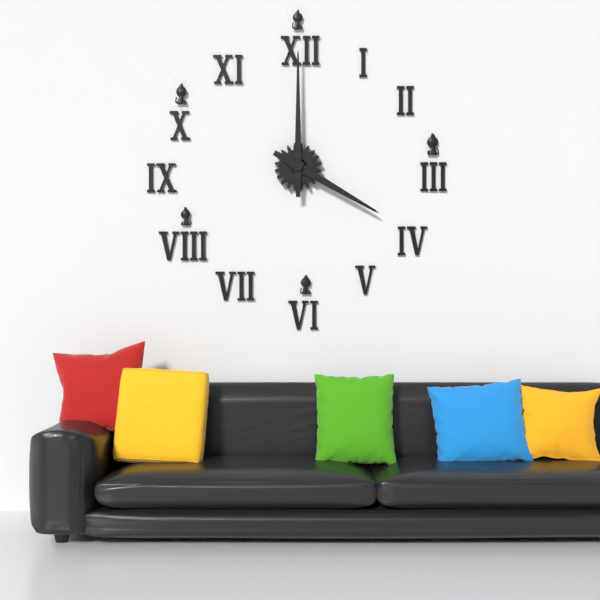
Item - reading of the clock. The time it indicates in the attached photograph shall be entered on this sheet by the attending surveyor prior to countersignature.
4:00
